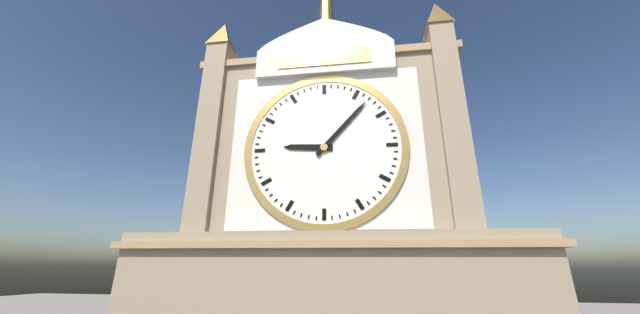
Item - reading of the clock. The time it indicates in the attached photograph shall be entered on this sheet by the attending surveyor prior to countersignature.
9:07
